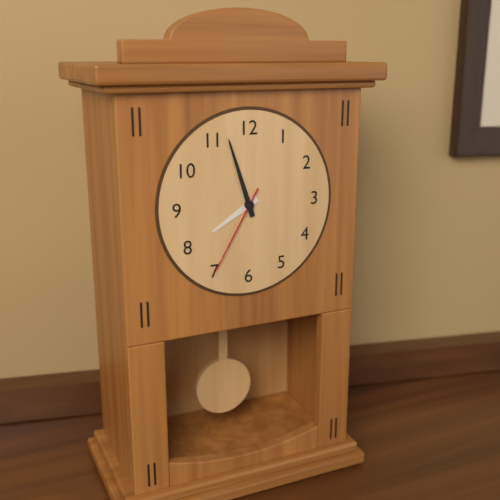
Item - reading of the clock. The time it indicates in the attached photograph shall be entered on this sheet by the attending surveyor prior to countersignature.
7:57:35
